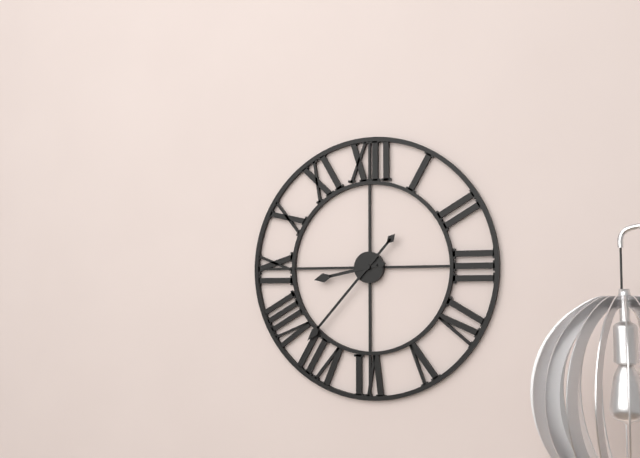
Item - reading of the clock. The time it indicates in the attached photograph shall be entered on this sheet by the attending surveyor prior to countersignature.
8:37
